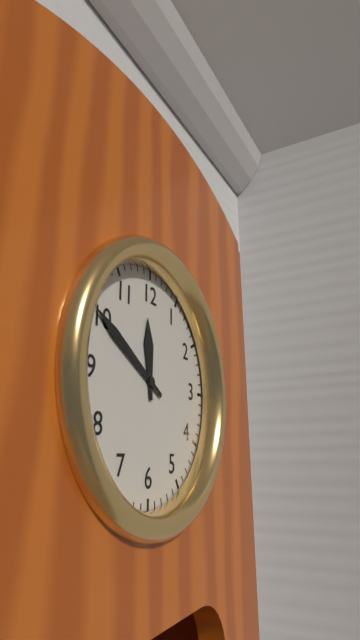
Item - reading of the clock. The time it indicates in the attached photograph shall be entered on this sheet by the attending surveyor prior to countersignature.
11:50
